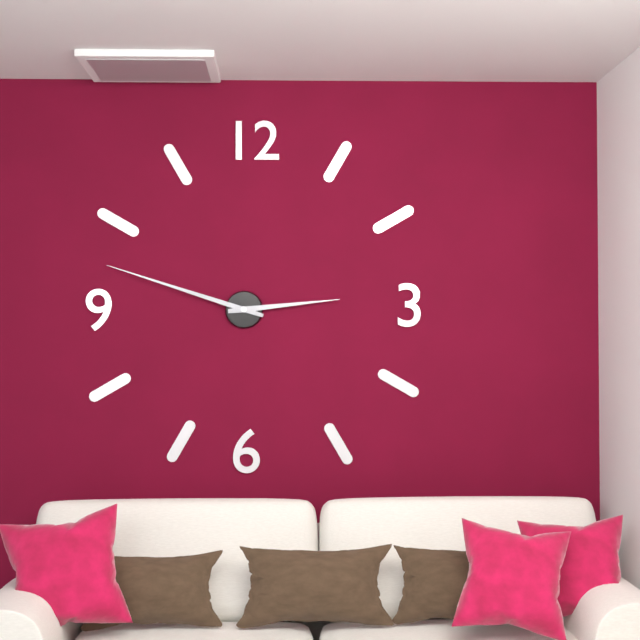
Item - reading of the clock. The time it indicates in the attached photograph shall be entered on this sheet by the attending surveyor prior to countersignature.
2:48
